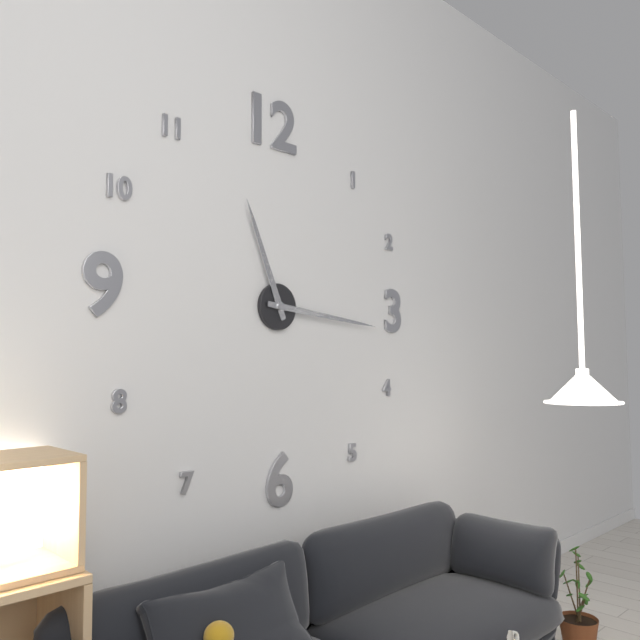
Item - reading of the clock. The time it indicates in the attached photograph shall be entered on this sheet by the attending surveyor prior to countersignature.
11:16
